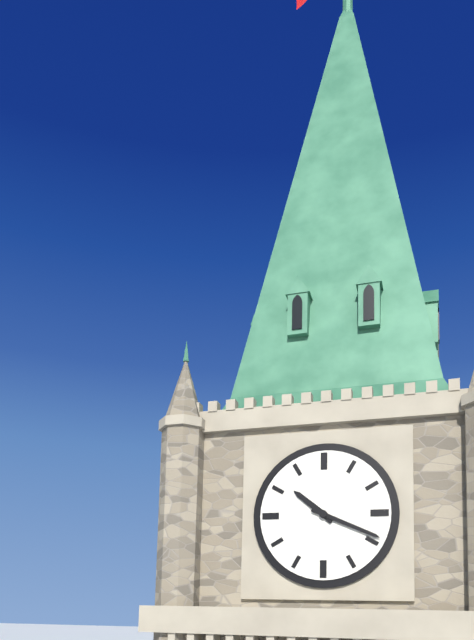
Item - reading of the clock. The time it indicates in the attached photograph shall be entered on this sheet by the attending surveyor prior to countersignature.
10:19
